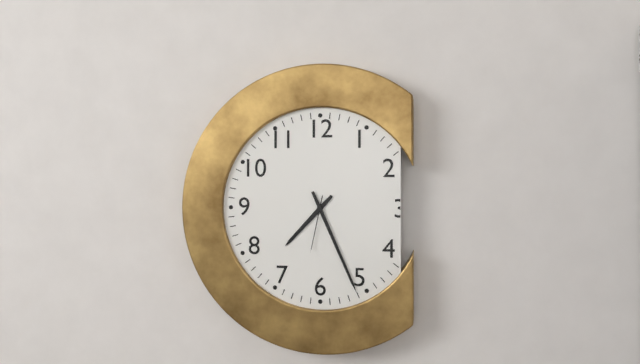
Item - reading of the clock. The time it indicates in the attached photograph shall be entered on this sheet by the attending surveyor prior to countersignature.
7:26:32
